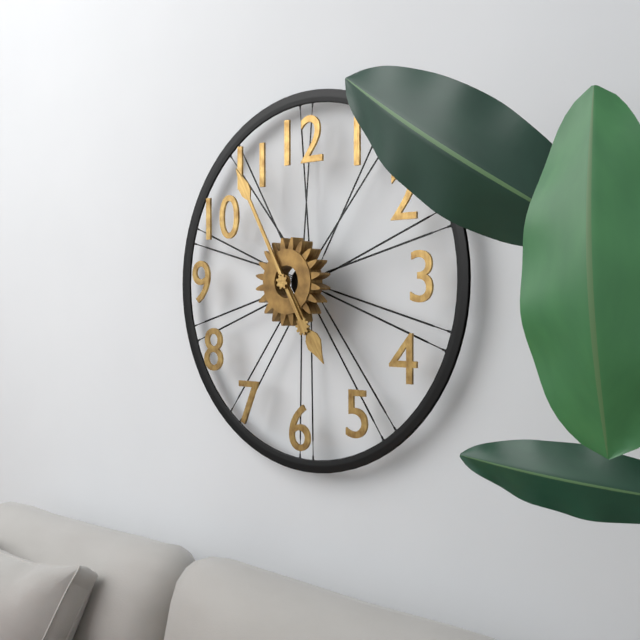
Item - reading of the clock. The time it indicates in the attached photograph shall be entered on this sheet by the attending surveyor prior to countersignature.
4:55
